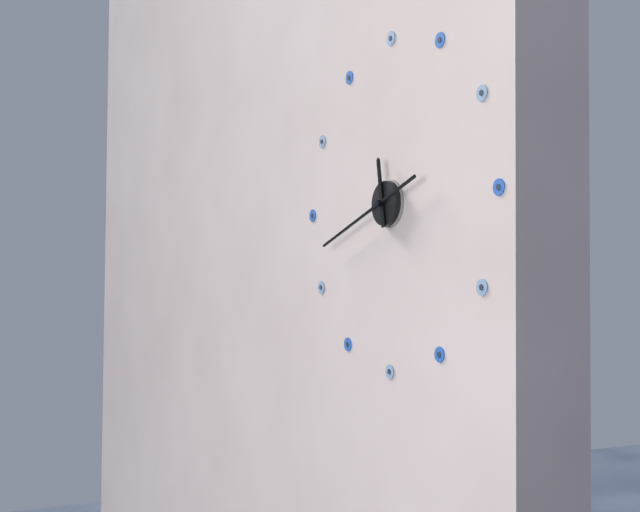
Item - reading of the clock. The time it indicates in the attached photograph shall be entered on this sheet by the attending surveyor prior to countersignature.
11:42
